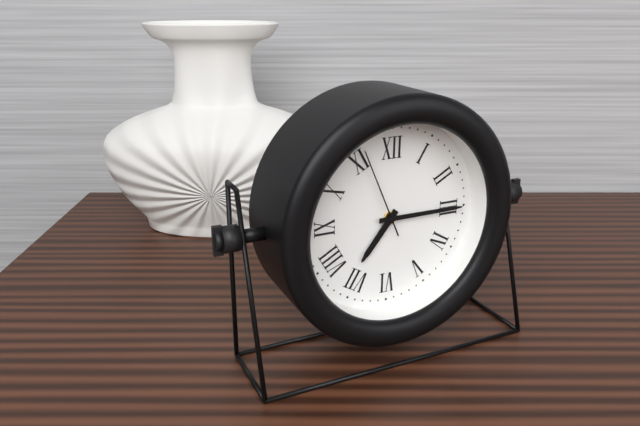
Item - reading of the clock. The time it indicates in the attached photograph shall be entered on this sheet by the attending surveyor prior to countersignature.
7:15:56
